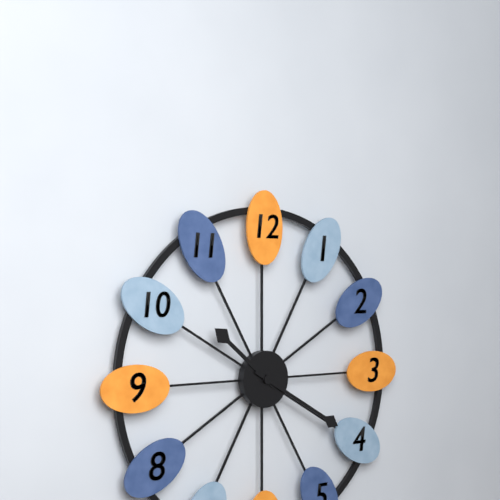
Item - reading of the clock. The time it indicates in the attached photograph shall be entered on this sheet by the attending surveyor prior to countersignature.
10:20
